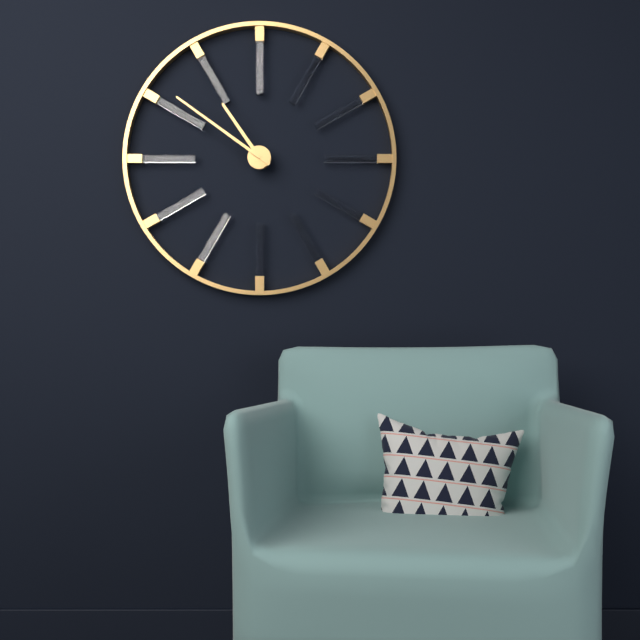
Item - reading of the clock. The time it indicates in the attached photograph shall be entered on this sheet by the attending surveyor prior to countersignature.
10:51
